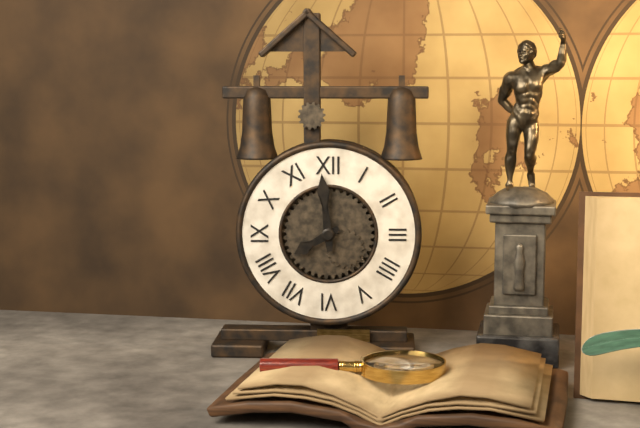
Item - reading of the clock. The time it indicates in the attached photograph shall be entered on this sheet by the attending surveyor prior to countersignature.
7:59
